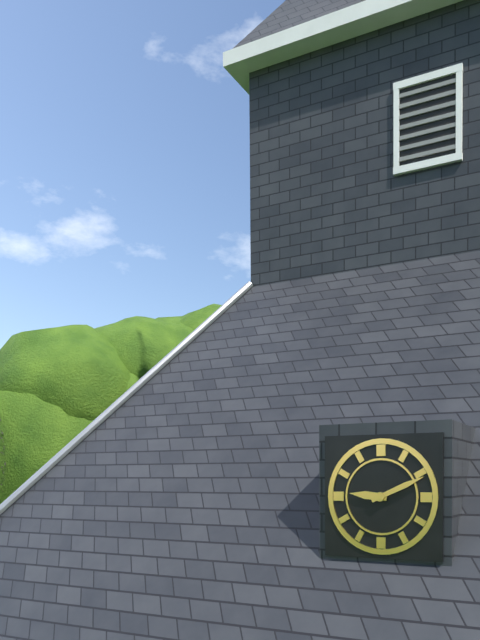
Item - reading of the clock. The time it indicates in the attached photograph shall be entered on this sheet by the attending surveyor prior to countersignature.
9:11
